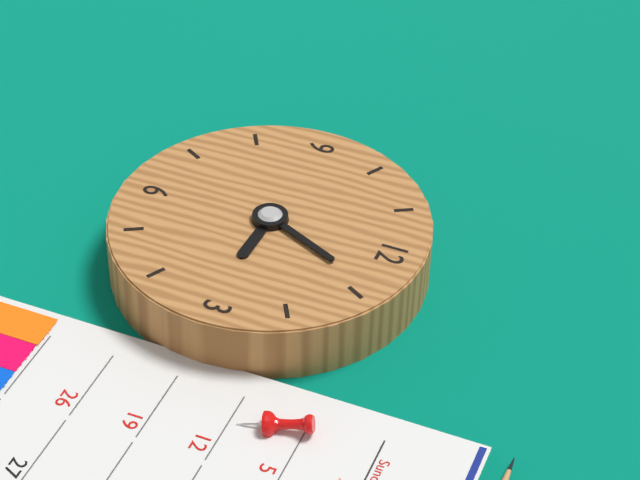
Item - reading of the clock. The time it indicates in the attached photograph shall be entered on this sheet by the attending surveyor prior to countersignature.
3:04
